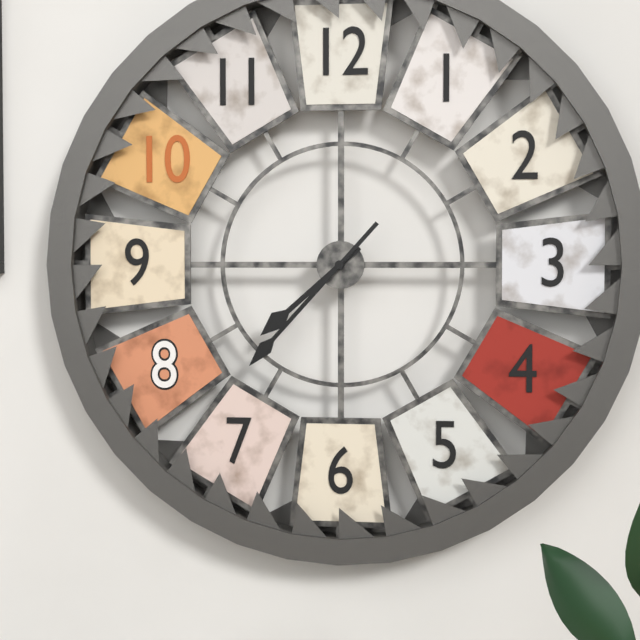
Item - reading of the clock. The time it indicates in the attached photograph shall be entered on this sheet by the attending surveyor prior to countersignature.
7:37
